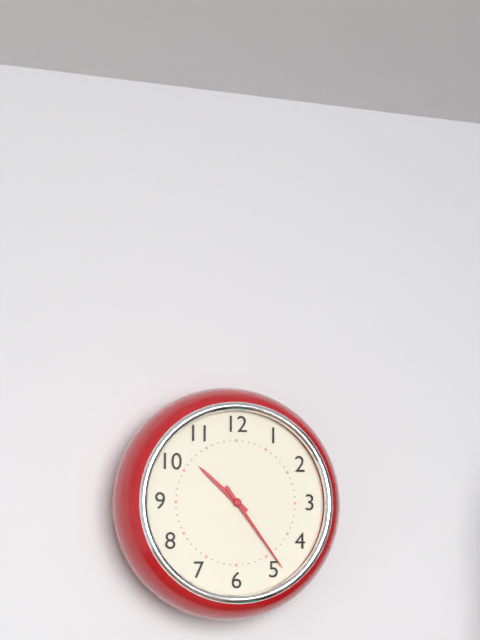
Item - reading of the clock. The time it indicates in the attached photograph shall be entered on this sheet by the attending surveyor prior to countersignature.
10:24
